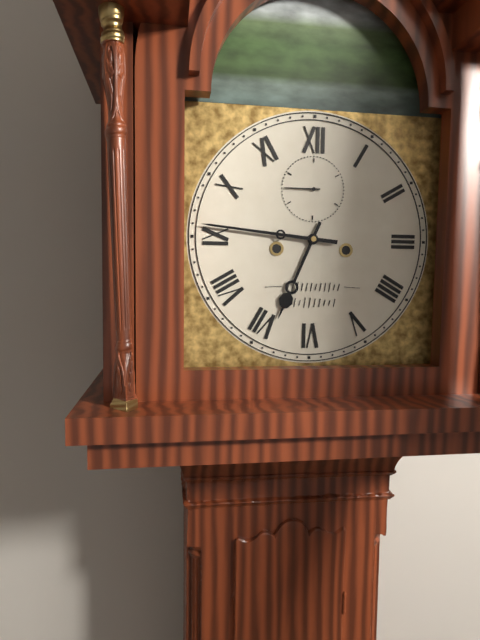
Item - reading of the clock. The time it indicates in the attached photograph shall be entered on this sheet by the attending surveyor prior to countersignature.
6:46
